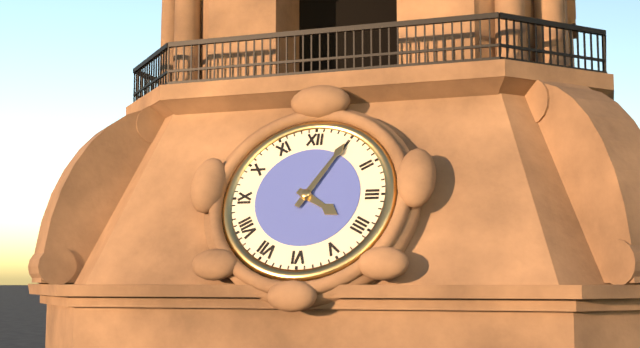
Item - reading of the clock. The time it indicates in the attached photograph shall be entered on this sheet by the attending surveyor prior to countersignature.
4:05
